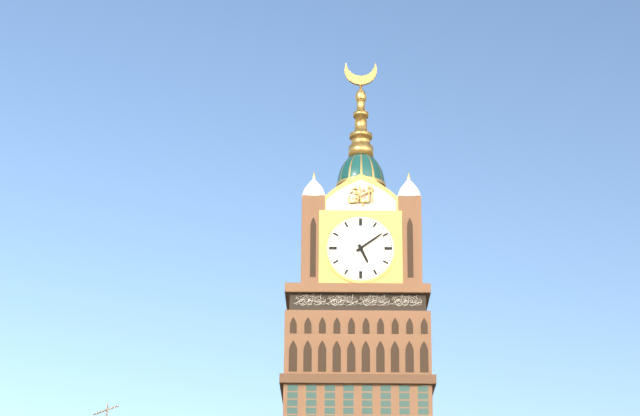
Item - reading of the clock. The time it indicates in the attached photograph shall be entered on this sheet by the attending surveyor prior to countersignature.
5:09
